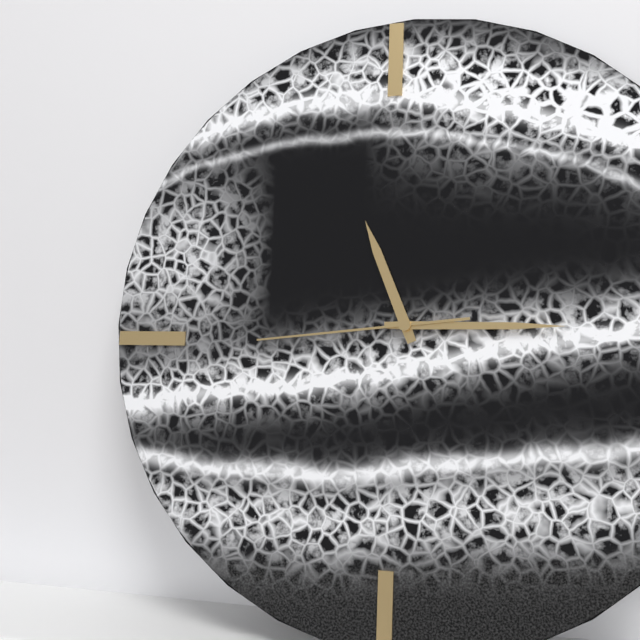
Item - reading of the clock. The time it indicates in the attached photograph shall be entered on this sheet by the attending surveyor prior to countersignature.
11:15:44
